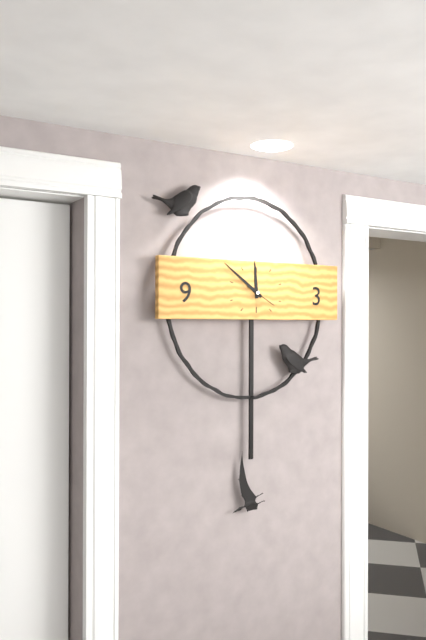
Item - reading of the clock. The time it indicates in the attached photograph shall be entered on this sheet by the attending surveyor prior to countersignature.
11:51
